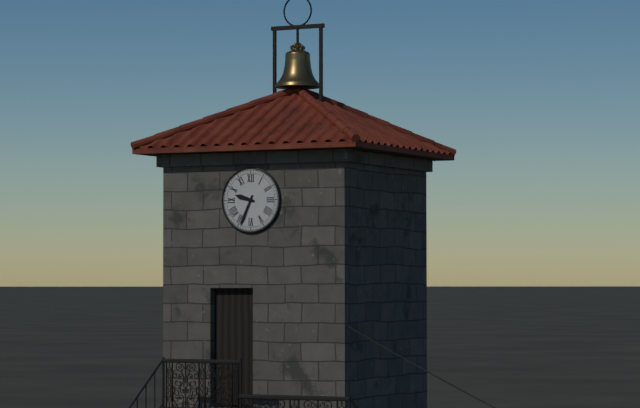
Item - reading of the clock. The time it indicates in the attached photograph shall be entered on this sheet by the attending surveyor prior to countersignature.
9:34
